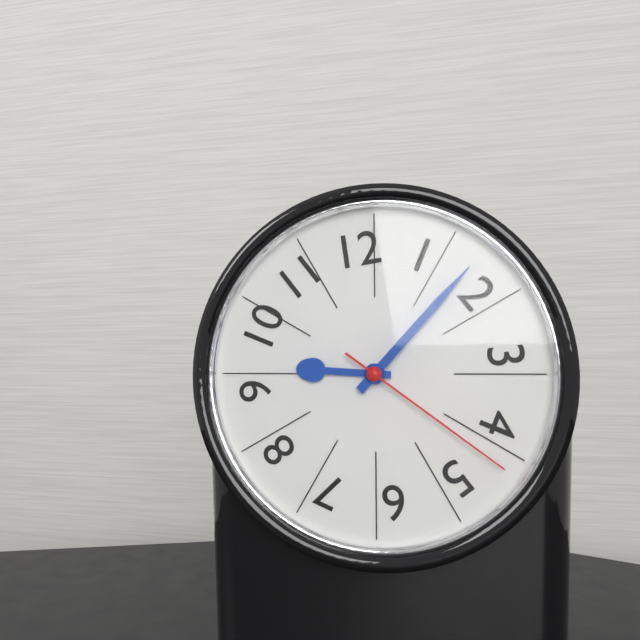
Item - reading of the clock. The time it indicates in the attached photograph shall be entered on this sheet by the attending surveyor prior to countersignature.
9:07:21
